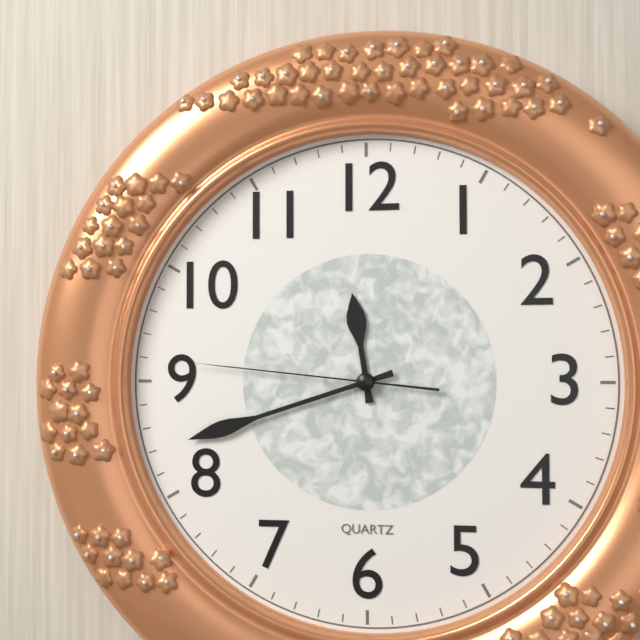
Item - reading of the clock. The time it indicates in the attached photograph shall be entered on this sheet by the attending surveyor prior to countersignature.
11:42:46
